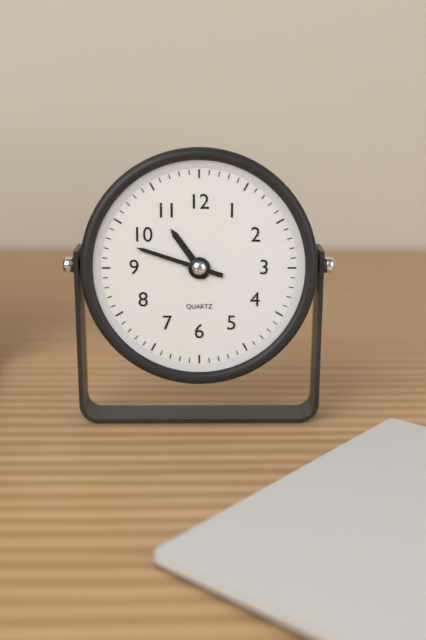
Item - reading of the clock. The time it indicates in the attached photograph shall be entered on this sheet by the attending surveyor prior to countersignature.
10:48
